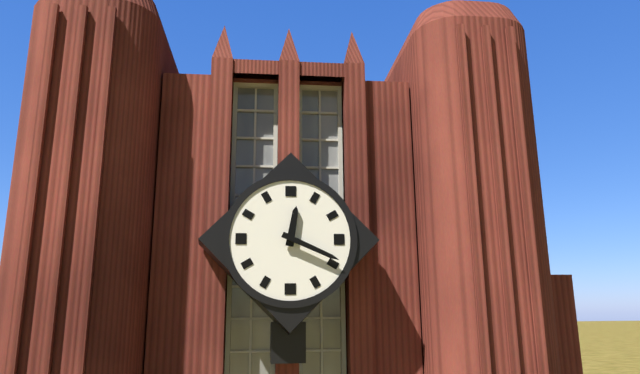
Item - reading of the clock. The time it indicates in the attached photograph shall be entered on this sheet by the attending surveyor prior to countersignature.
12:19
